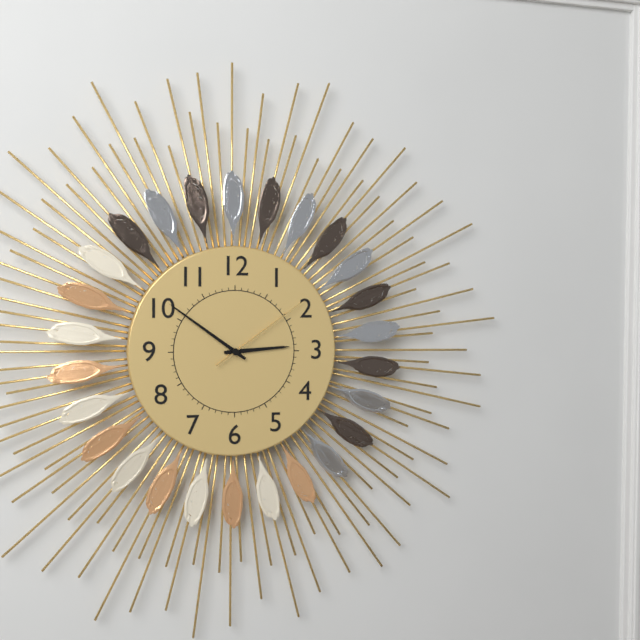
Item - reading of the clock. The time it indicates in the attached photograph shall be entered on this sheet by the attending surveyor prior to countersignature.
2:51:09
